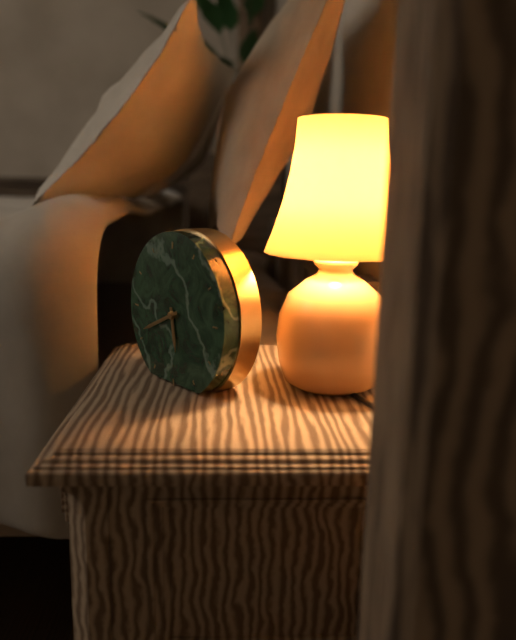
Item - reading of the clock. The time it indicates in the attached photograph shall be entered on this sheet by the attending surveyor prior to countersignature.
5:41
